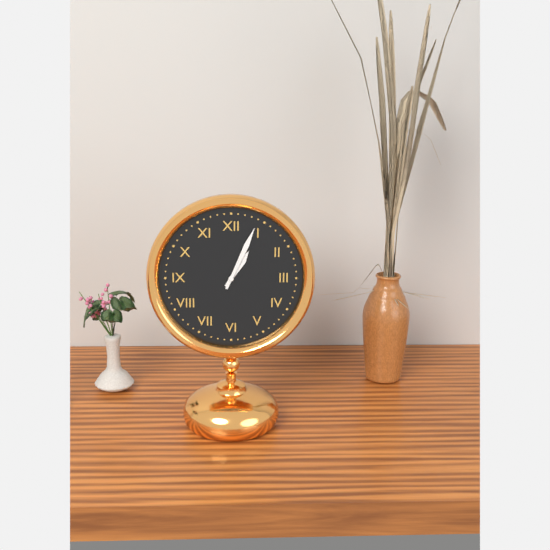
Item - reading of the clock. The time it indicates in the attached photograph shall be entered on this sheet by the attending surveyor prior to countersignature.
1:04
